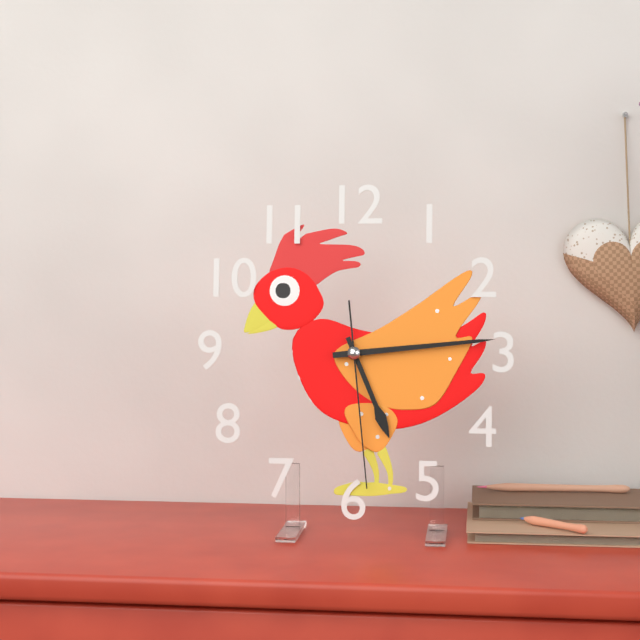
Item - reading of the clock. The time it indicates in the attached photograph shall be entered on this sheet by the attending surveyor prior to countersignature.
5:14:29
